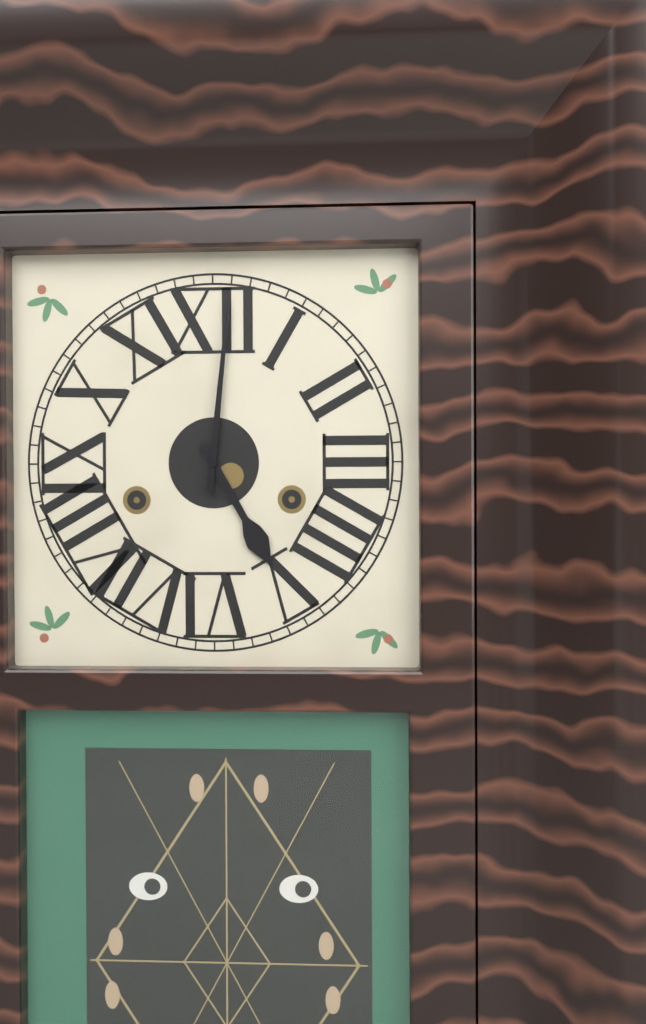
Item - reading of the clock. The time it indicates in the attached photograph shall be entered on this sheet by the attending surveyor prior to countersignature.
5:01
